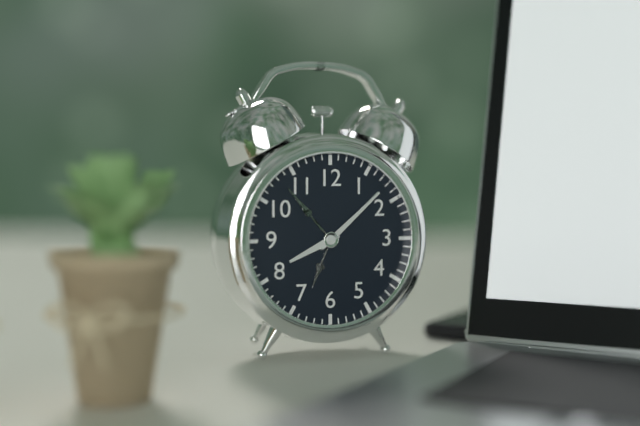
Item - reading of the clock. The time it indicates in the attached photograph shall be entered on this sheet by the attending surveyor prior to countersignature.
8:08
